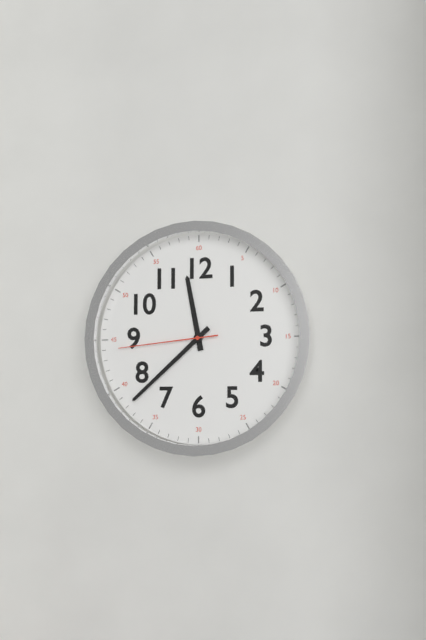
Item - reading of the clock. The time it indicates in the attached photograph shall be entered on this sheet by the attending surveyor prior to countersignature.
11:38:44
